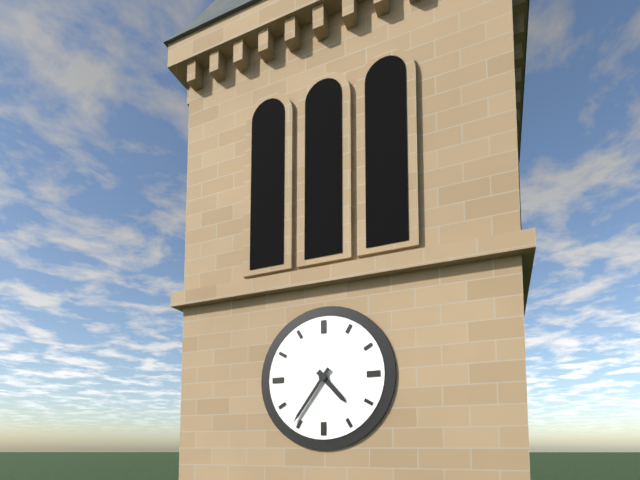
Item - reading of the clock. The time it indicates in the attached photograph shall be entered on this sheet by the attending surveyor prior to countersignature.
4:36
